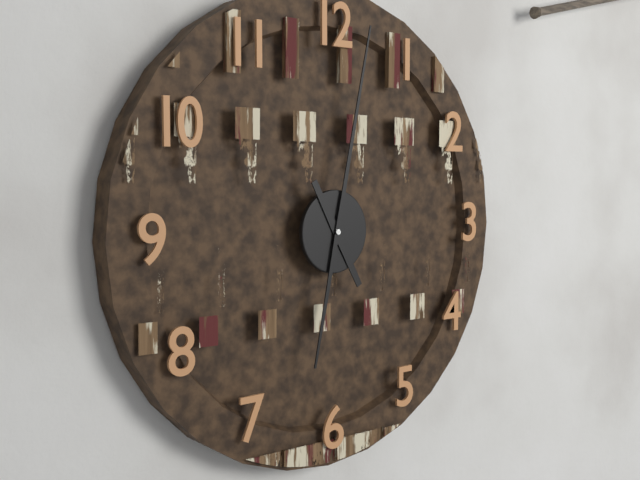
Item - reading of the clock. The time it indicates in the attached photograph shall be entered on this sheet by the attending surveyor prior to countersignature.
5:02
